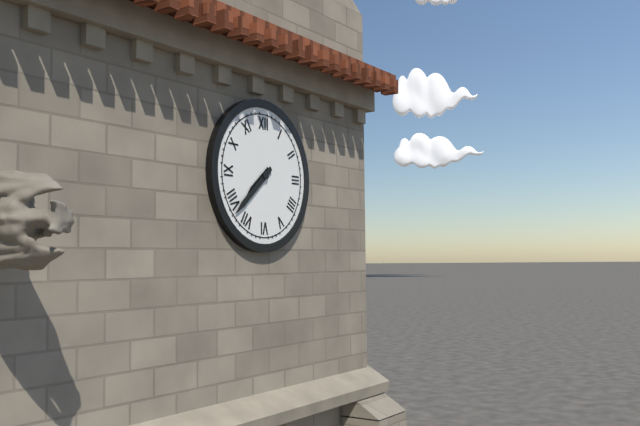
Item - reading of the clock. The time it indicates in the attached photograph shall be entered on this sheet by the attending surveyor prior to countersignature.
7:38
